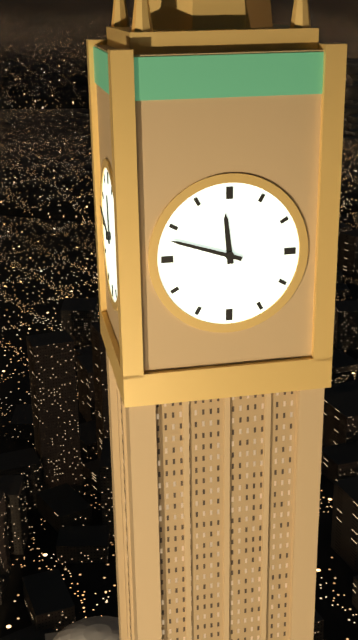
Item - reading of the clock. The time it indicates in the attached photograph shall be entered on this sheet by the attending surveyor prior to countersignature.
11:48
